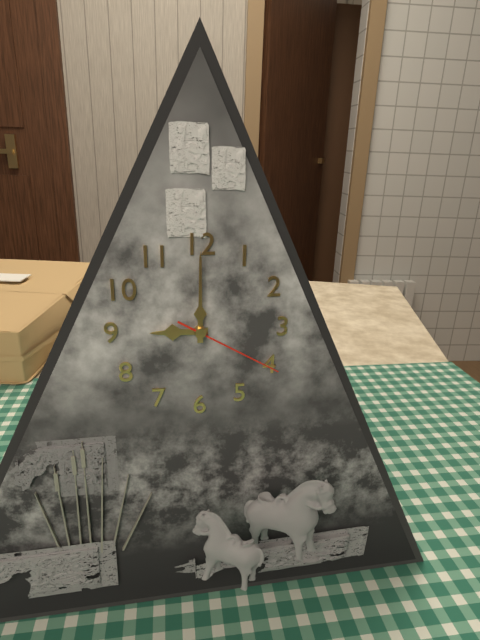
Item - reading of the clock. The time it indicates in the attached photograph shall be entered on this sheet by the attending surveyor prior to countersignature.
9:00:20
